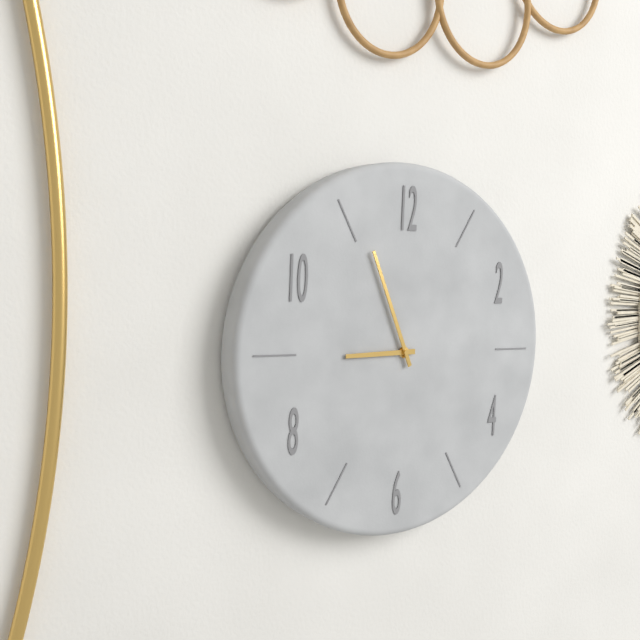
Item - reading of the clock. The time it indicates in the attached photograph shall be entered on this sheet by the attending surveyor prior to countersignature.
8:56
